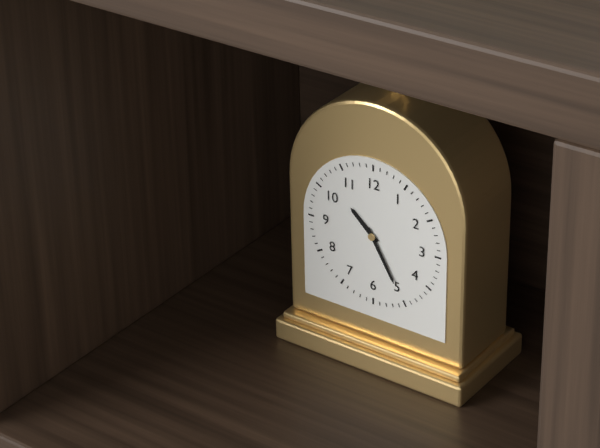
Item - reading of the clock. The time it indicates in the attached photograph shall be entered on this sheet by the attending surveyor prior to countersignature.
10:25
